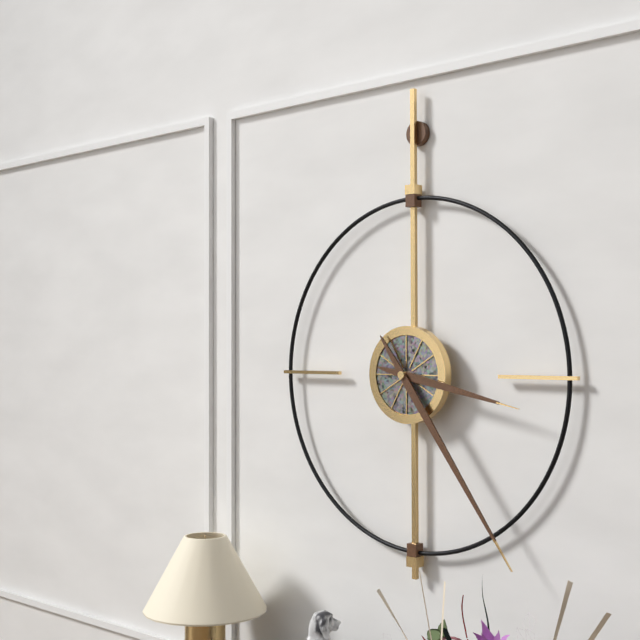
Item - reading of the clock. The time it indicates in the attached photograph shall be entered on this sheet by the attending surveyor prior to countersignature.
3:24
